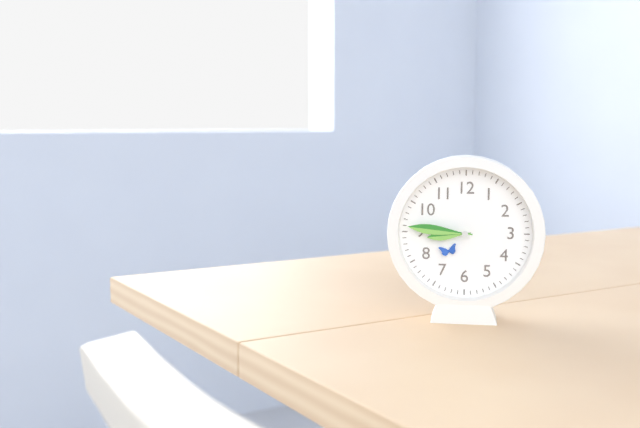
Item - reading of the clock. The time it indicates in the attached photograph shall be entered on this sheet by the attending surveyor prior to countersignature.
8:46
